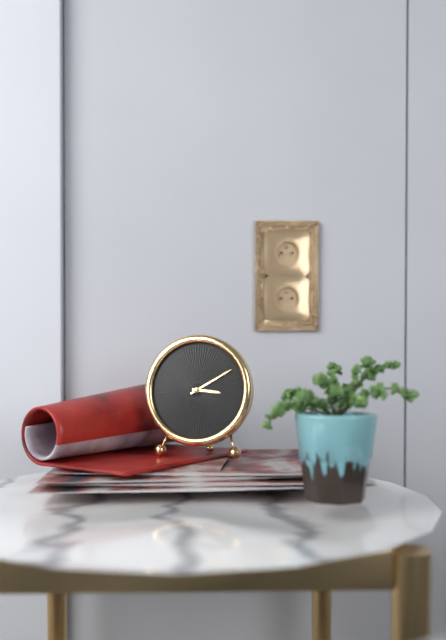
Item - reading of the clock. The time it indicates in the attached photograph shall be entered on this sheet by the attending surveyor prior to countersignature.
3:10
